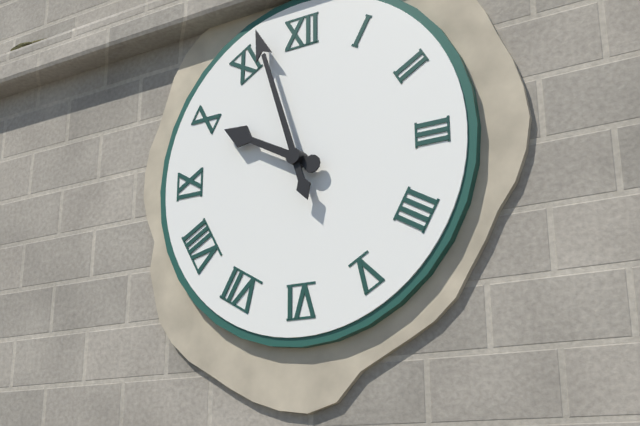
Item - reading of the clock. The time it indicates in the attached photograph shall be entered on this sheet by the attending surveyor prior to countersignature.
9:57
